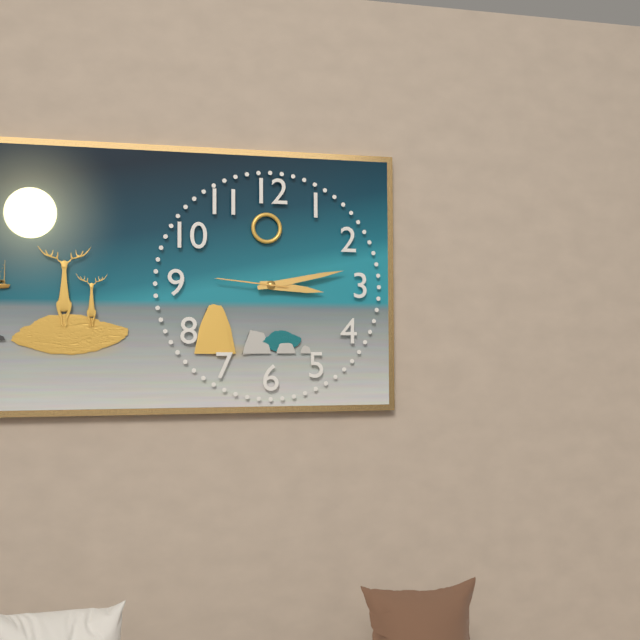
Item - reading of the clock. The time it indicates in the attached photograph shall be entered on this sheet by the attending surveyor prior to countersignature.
3:13:46
